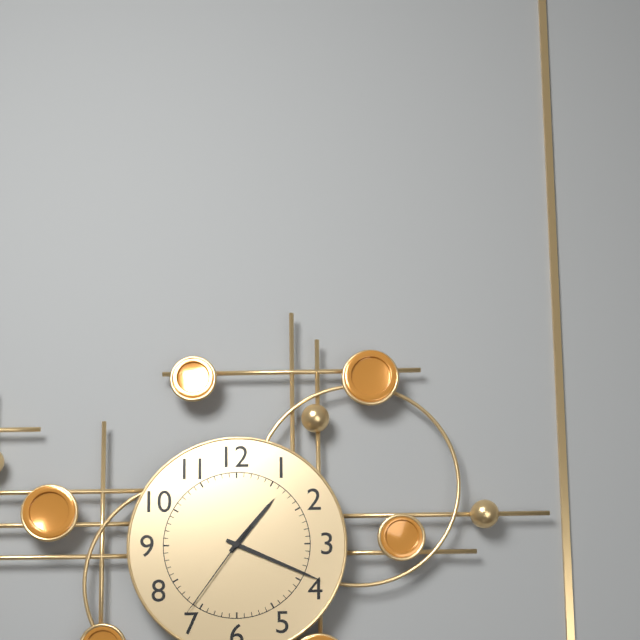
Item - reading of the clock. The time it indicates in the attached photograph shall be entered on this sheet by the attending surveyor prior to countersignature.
1:19:36
